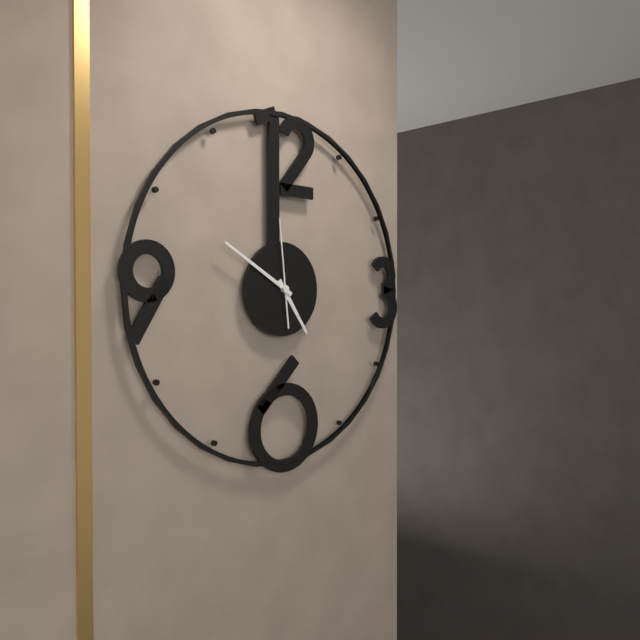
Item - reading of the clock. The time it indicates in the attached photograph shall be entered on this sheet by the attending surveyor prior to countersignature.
4:50:59
